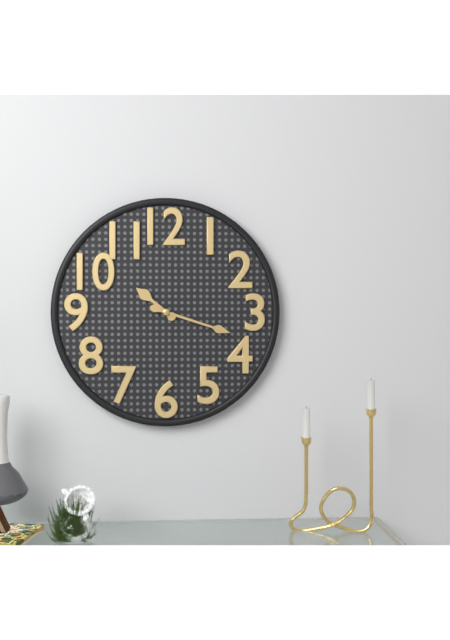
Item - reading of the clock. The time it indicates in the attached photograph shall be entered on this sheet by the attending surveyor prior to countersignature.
10:18
